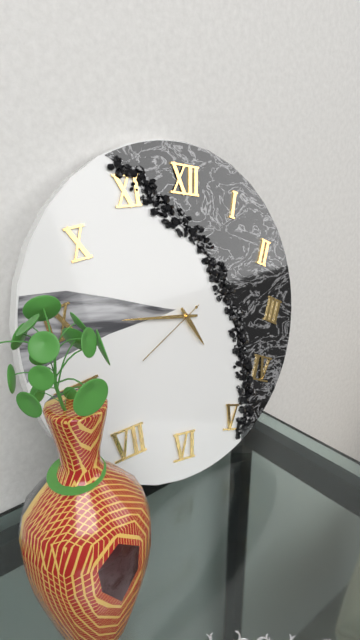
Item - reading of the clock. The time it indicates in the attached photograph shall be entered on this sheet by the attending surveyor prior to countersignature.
4:45:39
